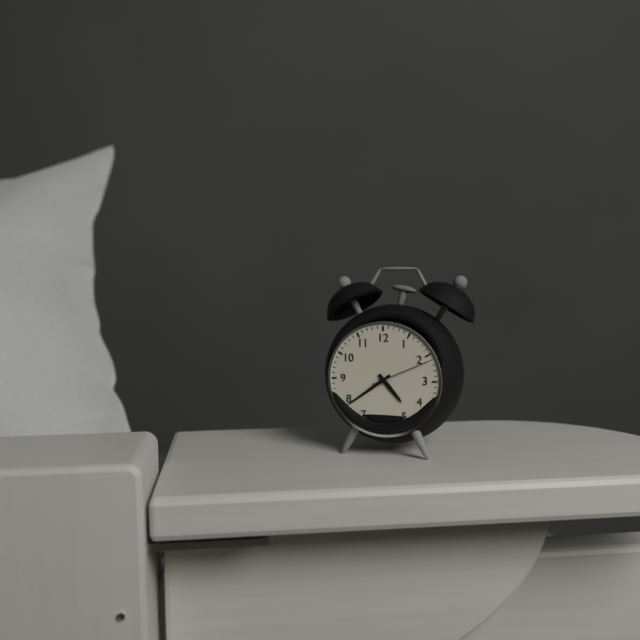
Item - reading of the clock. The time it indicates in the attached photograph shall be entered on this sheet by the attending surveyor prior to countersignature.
4:39:11
